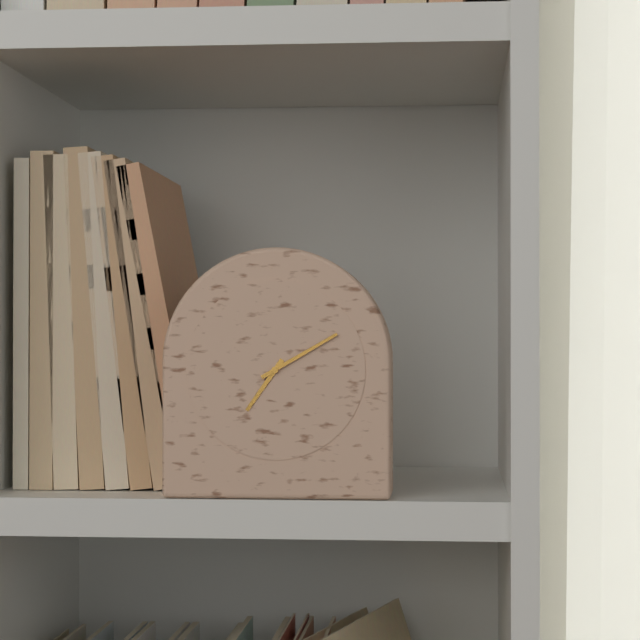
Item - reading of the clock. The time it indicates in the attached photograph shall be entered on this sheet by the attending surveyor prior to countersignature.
7:10
